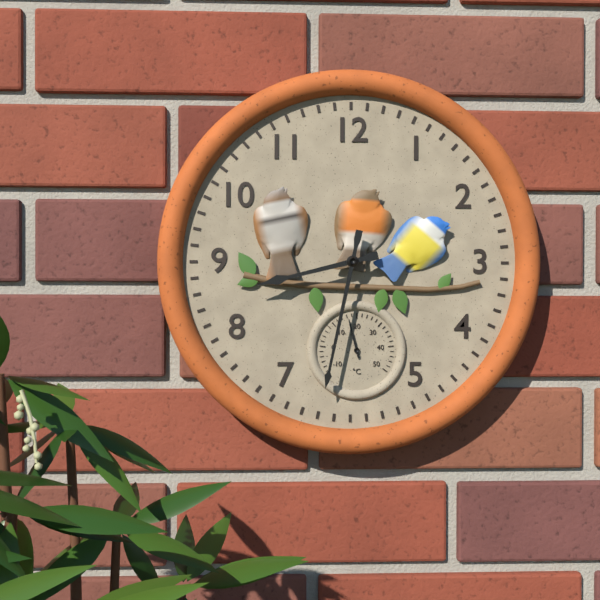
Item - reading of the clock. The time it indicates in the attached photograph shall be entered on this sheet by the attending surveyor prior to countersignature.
8:32
